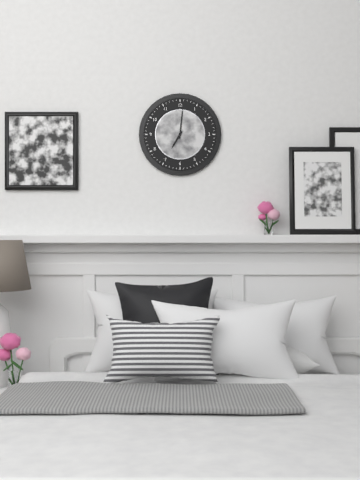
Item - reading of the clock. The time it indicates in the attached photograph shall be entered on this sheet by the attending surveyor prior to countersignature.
7:01
